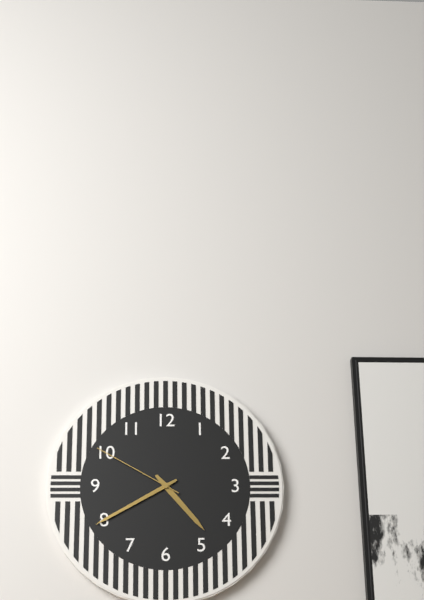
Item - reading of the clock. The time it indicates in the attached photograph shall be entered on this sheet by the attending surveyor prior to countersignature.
4:40:50
